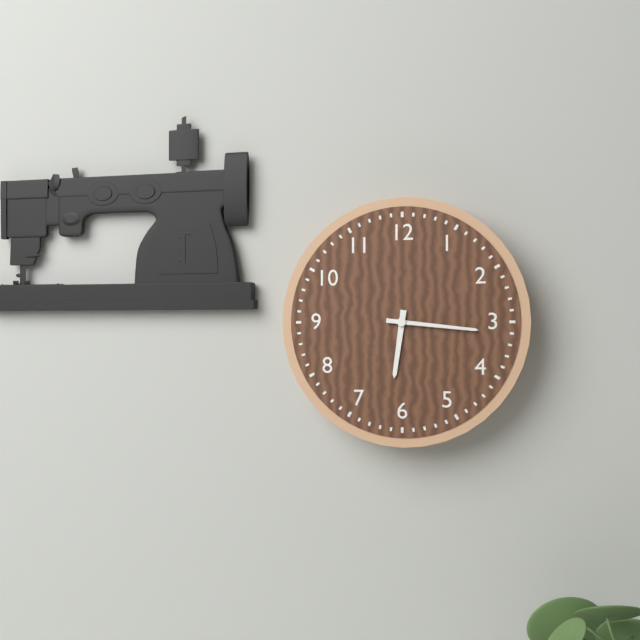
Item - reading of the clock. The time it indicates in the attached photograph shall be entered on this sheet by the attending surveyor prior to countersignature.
6:16
